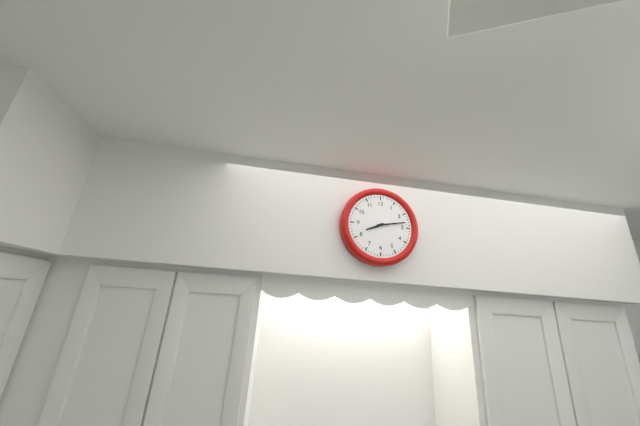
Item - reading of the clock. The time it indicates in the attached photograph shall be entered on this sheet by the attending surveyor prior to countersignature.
8:13
